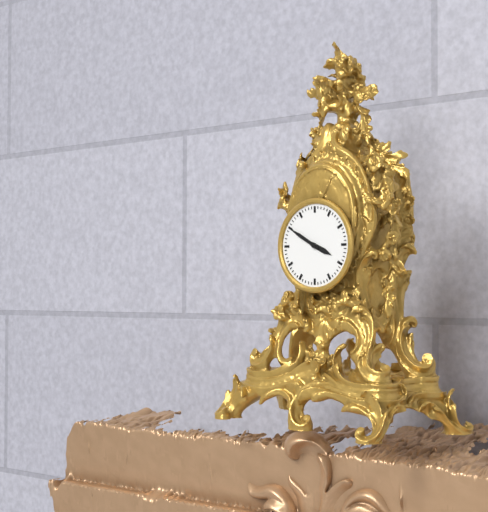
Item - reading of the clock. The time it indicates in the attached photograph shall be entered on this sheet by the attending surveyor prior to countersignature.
3:50
